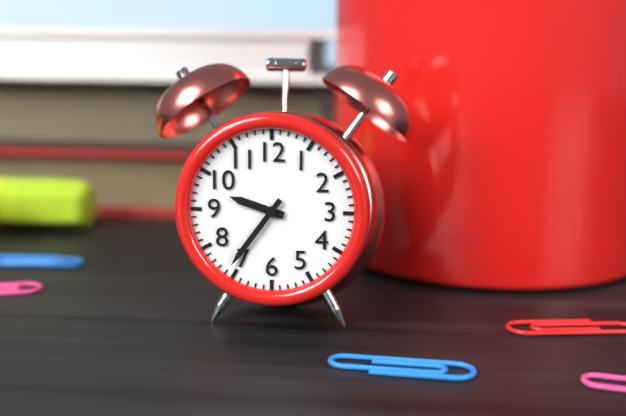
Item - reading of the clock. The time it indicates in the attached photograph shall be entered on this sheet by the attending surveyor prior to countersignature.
9:36
